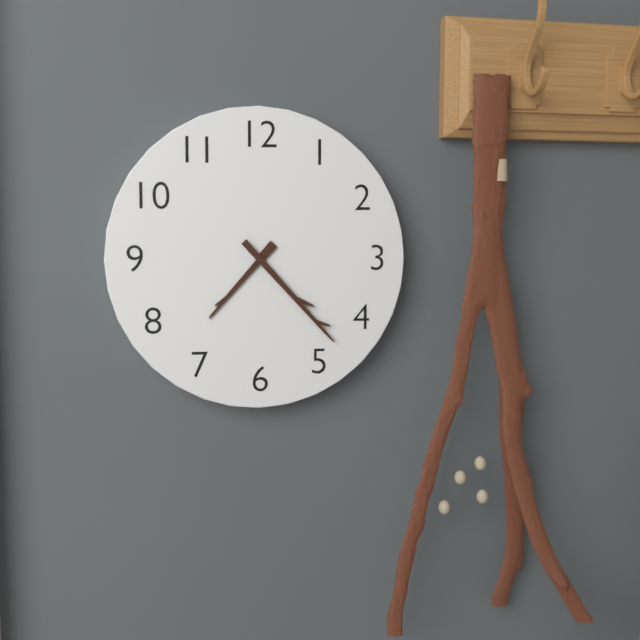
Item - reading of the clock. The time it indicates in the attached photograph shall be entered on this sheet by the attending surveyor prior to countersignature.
7:23
